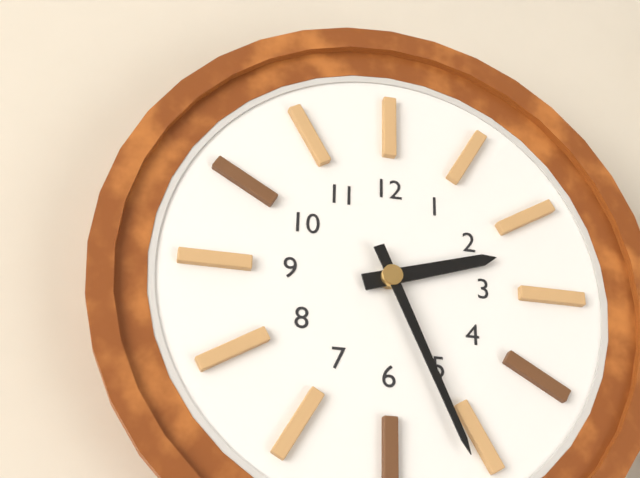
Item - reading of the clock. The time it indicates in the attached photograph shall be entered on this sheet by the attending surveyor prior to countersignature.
2:26
